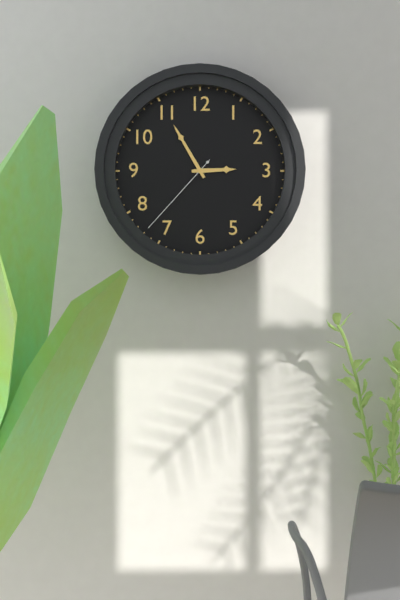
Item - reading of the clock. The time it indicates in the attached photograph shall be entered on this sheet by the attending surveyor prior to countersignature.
2:55:37
